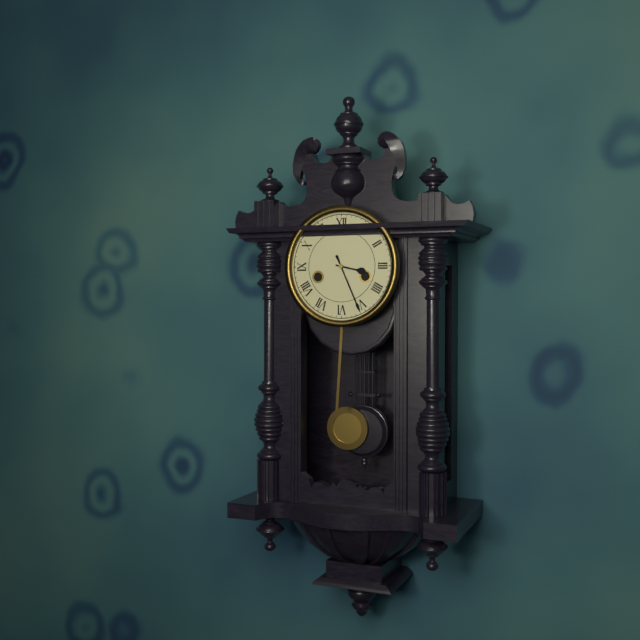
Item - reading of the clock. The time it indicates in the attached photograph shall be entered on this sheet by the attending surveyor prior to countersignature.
3:26
